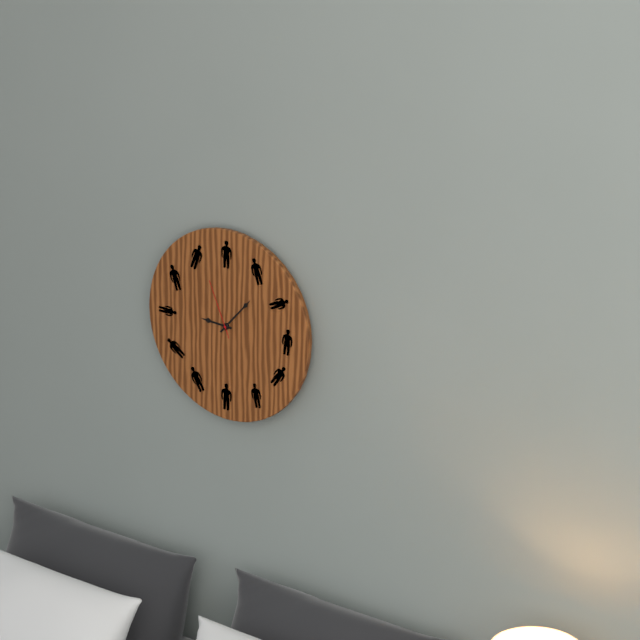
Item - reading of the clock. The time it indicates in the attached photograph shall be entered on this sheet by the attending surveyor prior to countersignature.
9:07:56
